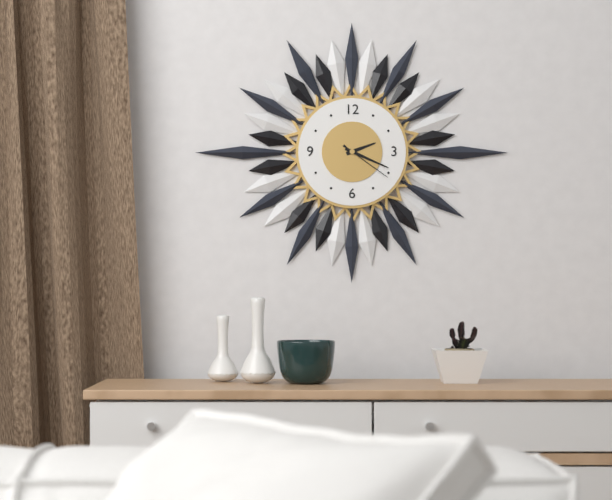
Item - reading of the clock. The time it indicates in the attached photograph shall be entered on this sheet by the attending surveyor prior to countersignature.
2:19:21
